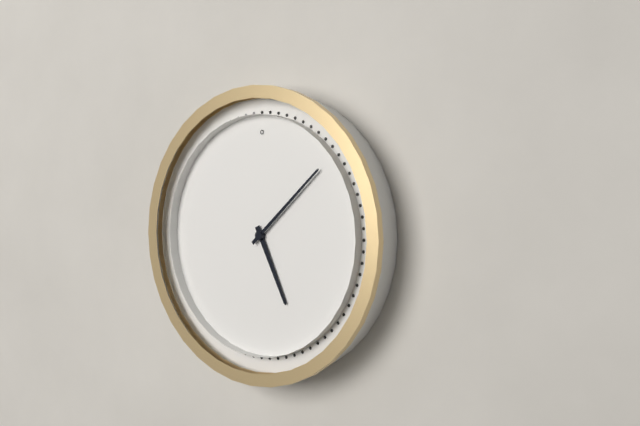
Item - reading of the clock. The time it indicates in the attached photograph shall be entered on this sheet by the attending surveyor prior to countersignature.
5:08
